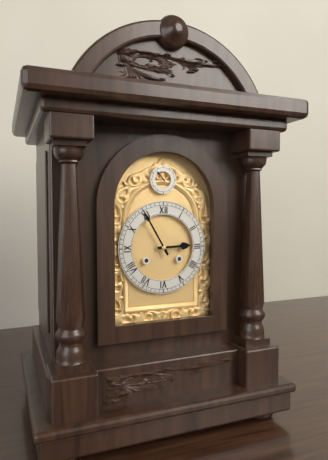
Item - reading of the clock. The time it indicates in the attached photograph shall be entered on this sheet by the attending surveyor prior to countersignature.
2:55
